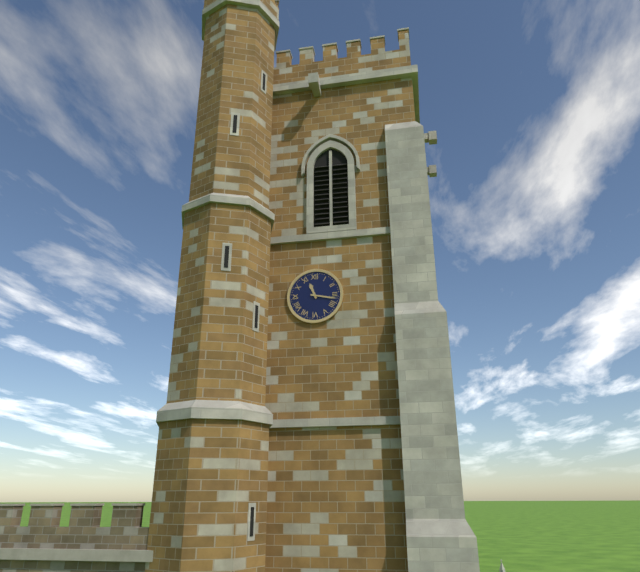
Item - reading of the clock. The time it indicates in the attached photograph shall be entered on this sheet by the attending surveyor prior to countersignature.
11:17
